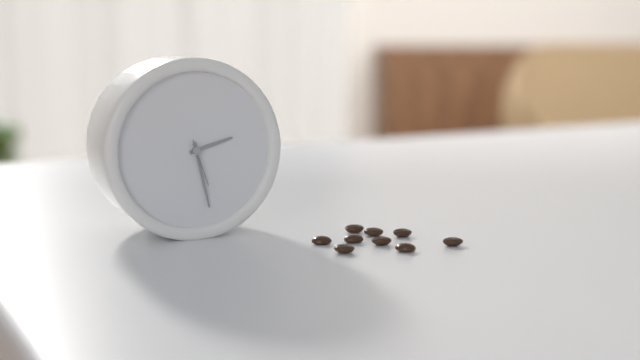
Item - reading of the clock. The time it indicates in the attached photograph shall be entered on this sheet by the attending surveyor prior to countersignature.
2:28
